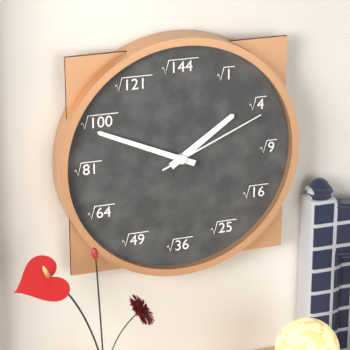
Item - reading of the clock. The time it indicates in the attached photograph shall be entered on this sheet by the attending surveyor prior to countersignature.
1:49:11
